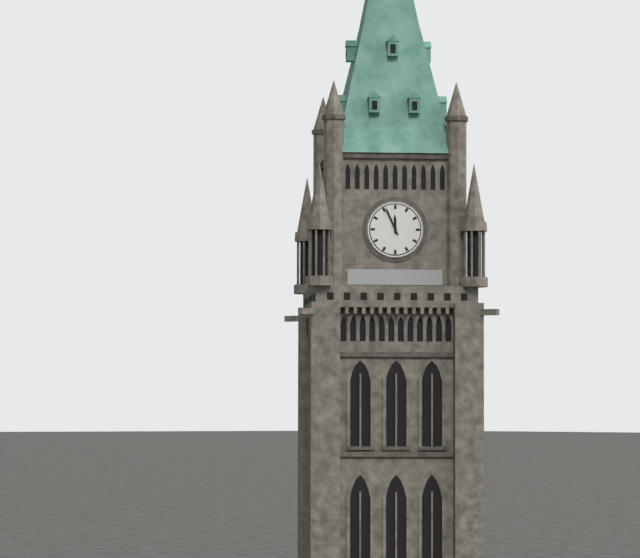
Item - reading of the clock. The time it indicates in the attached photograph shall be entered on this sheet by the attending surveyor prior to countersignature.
11:56
